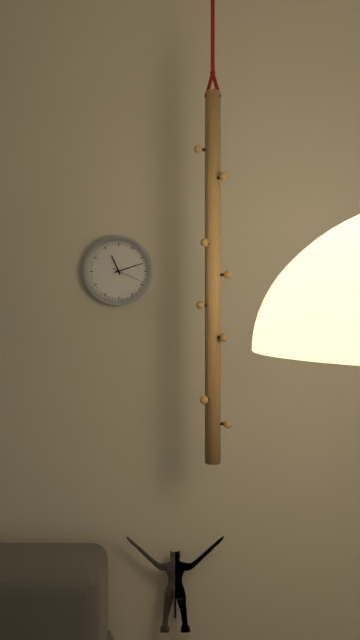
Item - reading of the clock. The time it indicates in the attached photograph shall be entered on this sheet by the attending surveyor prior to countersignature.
11:12
